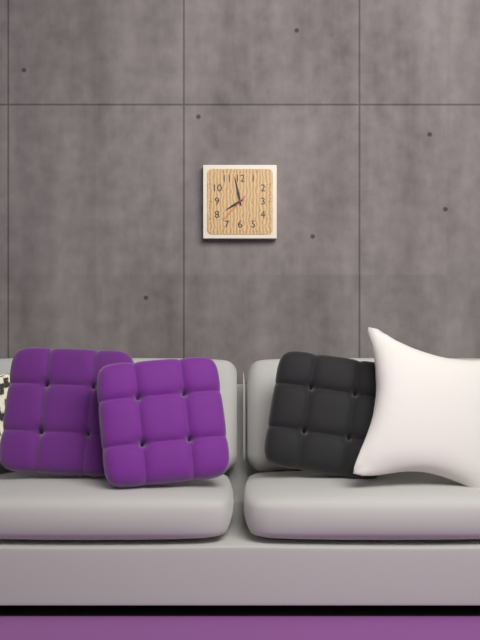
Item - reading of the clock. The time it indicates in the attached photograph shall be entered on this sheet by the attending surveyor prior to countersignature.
7:58
